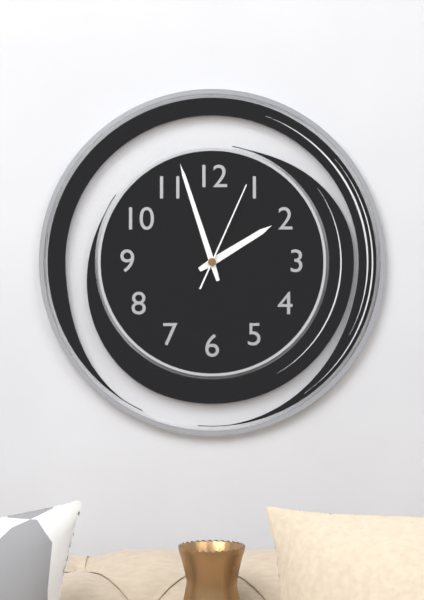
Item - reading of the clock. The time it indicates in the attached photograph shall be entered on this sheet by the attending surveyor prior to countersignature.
1:57:04
